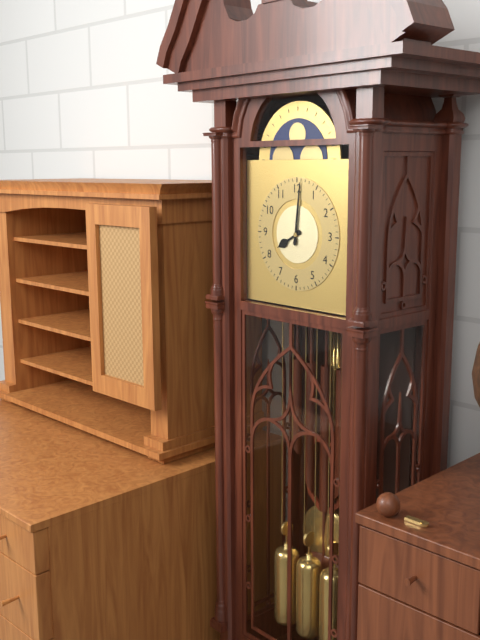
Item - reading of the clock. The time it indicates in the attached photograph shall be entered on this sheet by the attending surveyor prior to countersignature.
8:01
